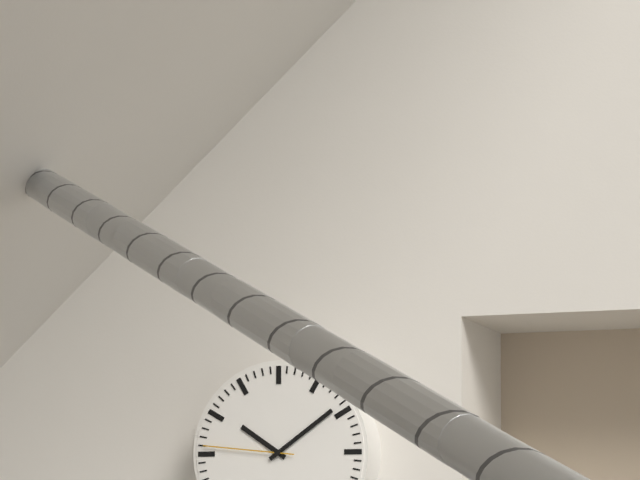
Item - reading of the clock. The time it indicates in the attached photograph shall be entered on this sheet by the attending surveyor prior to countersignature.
10:09:46
